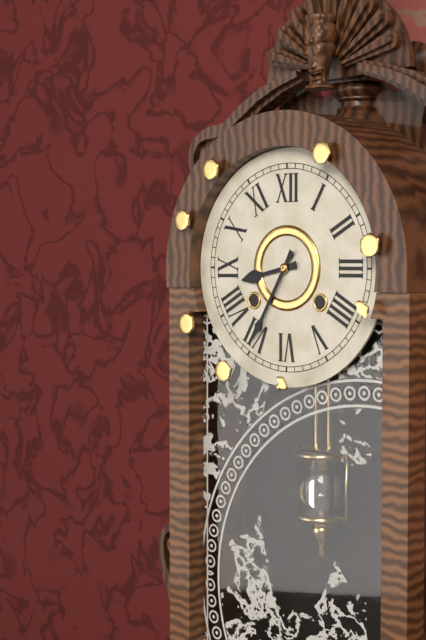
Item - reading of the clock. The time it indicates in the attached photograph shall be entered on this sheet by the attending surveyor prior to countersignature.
8:35
